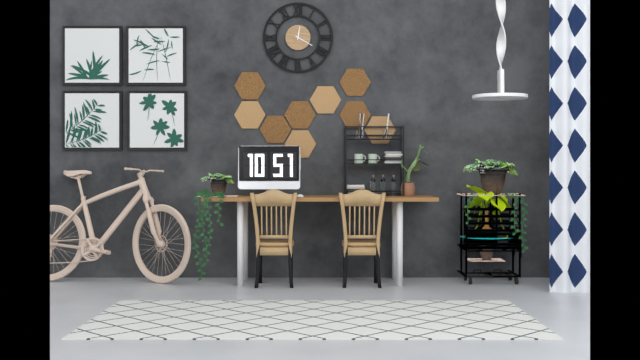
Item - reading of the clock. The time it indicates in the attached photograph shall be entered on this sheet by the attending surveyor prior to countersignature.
12:20
